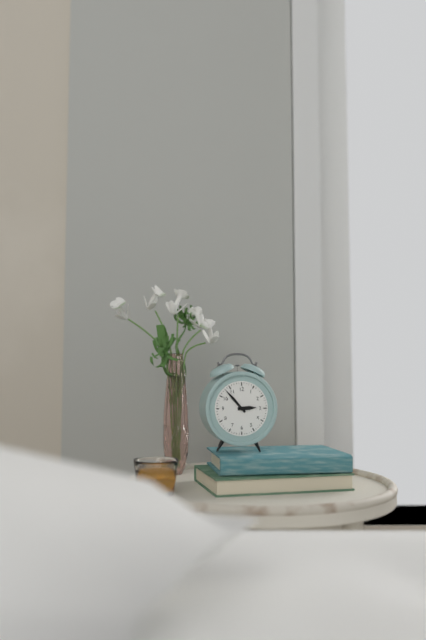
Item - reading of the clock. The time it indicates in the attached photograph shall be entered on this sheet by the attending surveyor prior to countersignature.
2:53
